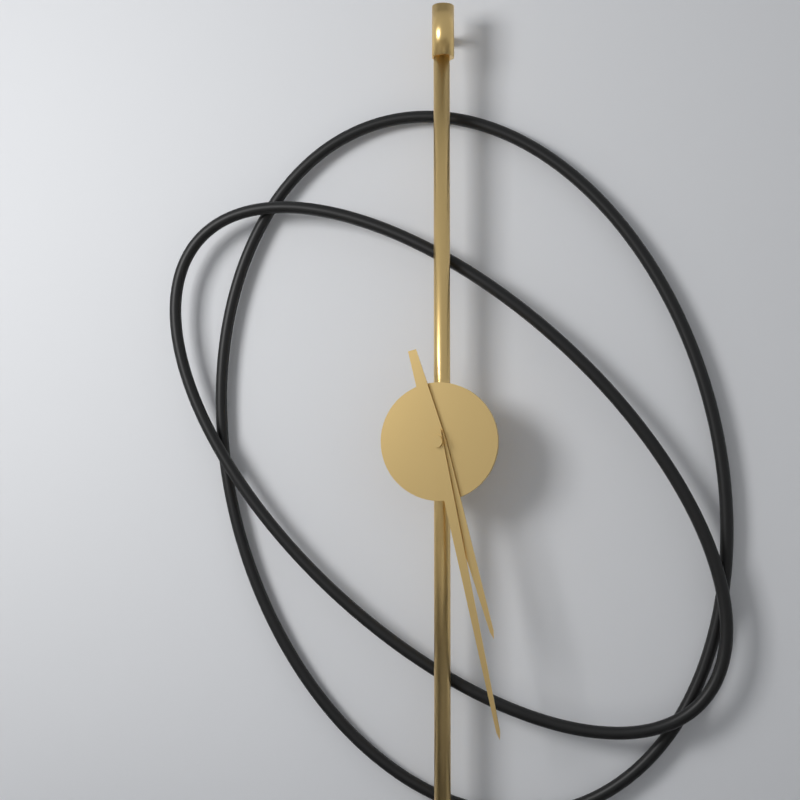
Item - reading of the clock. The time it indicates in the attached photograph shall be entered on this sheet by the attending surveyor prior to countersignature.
5:28
